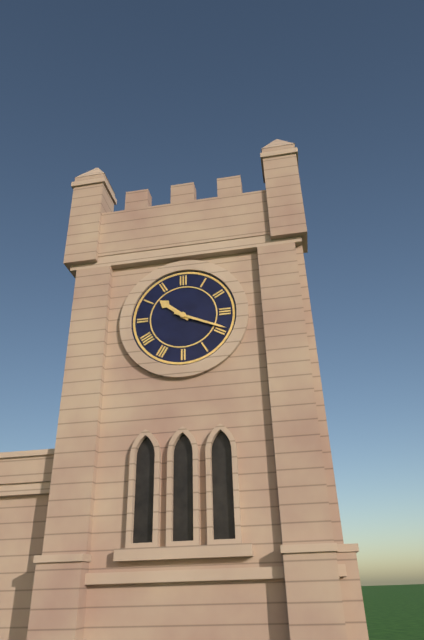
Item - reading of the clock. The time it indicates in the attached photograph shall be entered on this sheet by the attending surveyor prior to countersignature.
10:19
